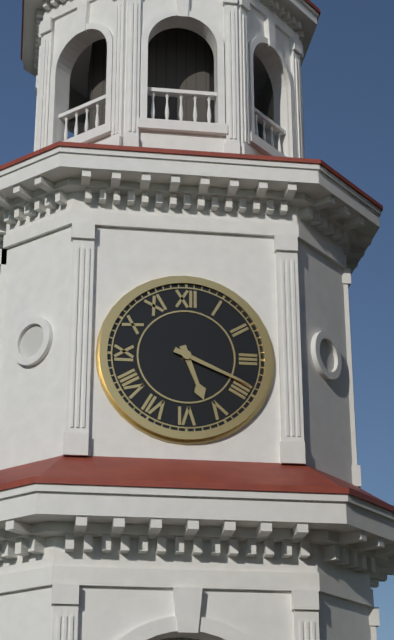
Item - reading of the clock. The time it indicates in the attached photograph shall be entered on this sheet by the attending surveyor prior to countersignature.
5:19
